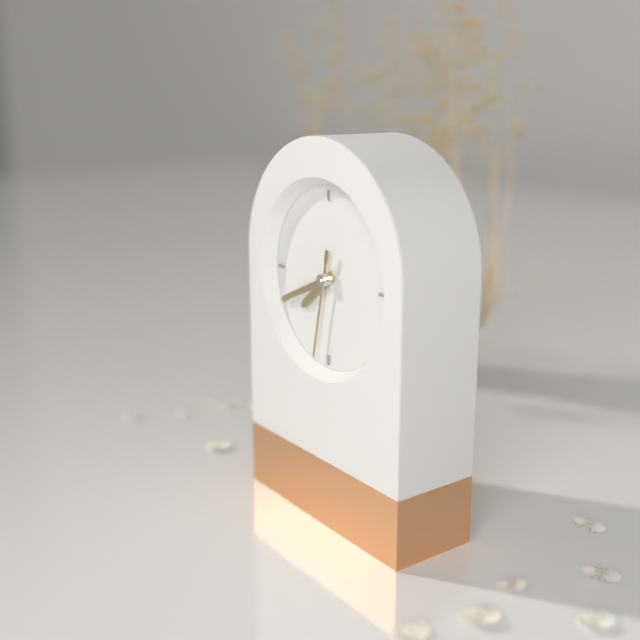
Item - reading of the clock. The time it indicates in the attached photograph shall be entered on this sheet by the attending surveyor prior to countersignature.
7:41:32
